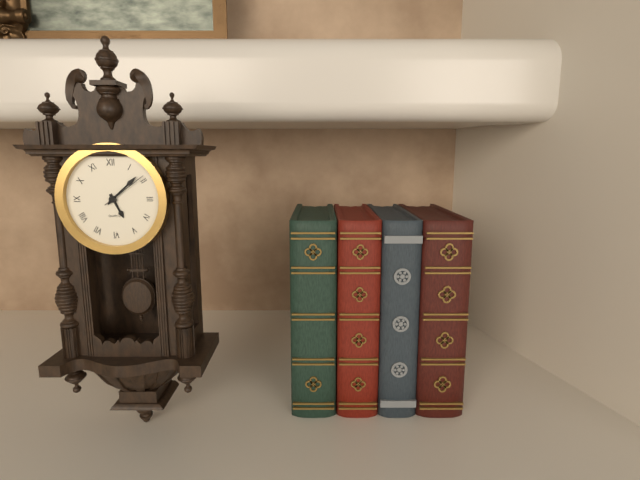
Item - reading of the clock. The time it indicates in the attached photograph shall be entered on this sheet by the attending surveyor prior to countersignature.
5:08
